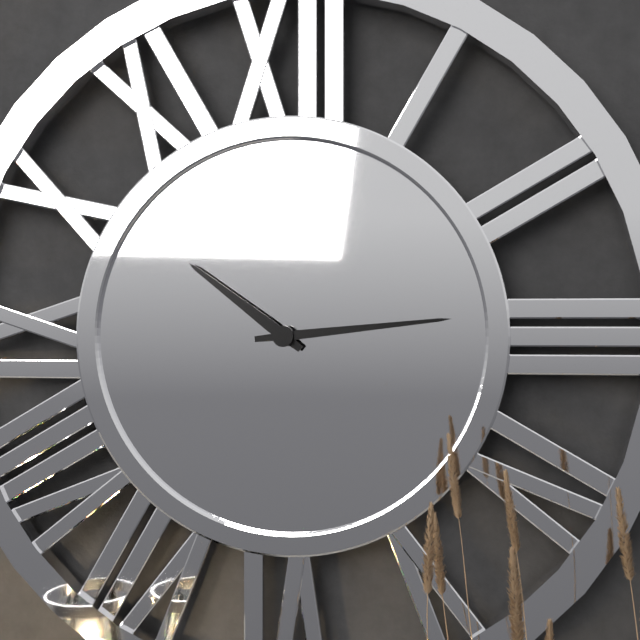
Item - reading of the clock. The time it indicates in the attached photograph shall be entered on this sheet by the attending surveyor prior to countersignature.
10:14
